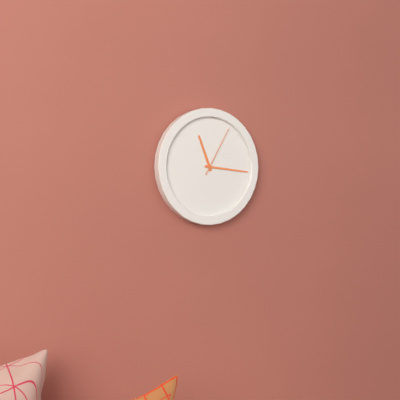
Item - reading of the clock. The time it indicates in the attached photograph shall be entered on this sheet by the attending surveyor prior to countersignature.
11:16:05
